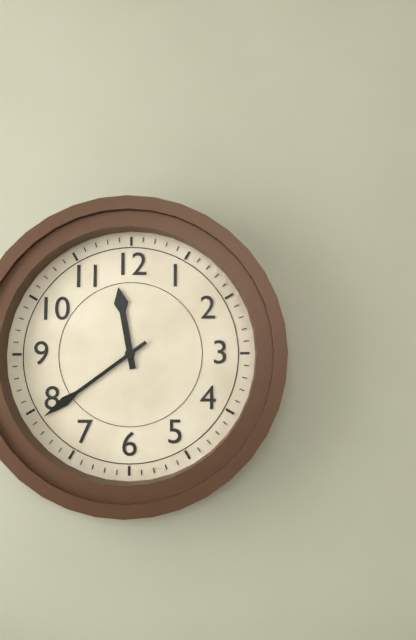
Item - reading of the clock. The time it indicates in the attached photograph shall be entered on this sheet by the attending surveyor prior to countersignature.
11:39
